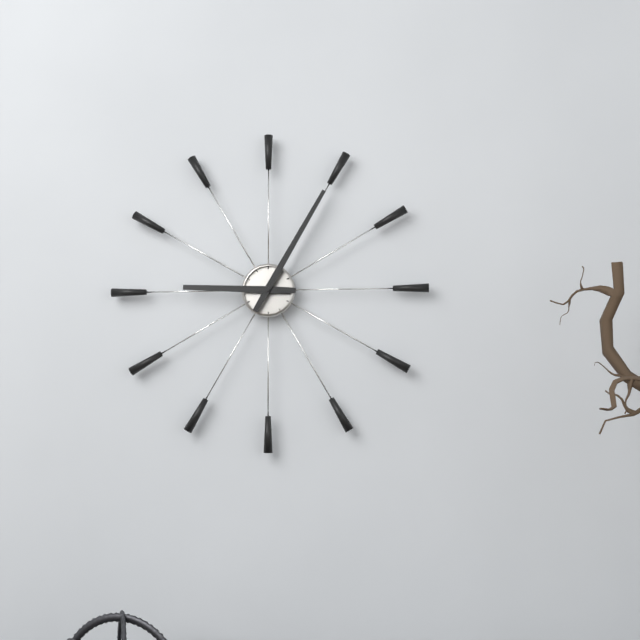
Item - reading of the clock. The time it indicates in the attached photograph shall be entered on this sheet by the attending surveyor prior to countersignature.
9:05
